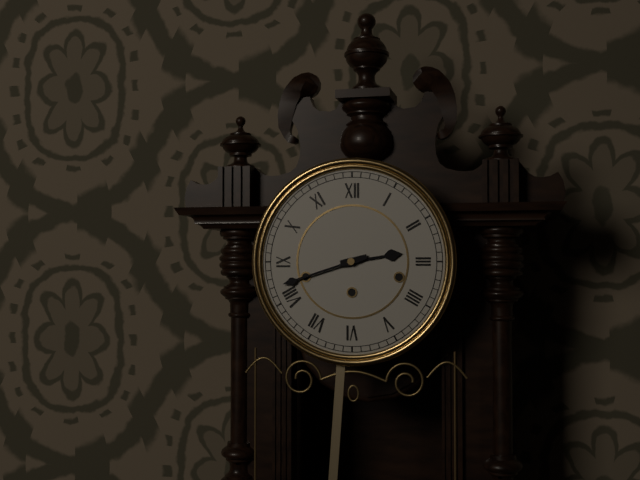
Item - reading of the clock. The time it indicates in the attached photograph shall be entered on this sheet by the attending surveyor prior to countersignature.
2:42
